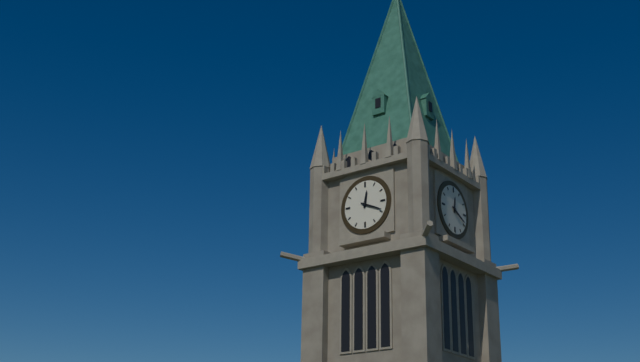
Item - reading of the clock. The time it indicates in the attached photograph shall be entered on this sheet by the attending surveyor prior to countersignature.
12:19
